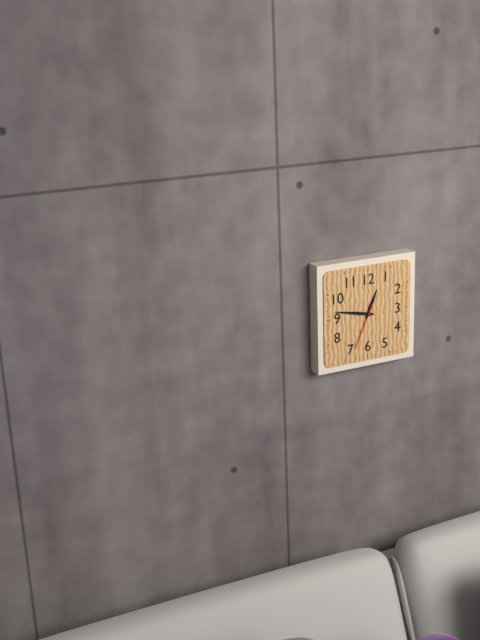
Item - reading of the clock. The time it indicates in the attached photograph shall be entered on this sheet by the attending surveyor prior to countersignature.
12:47
